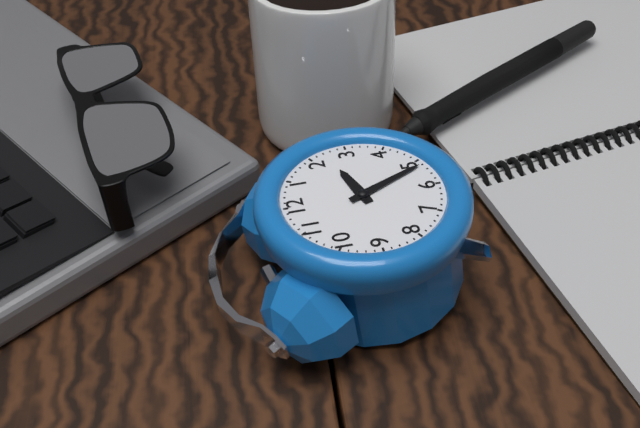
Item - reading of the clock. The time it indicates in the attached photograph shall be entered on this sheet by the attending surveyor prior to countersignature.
2:26
